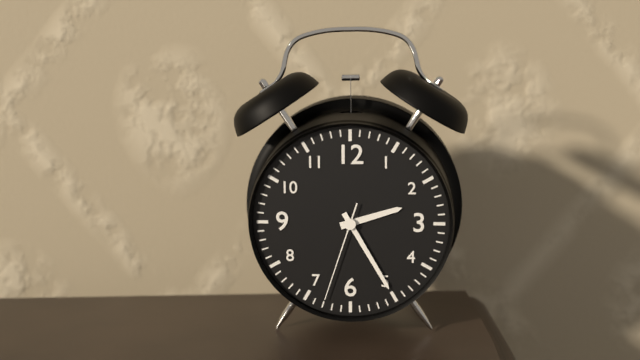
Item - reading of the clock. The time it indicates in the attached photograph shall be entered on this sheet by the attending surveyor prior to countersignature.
2:25:33
